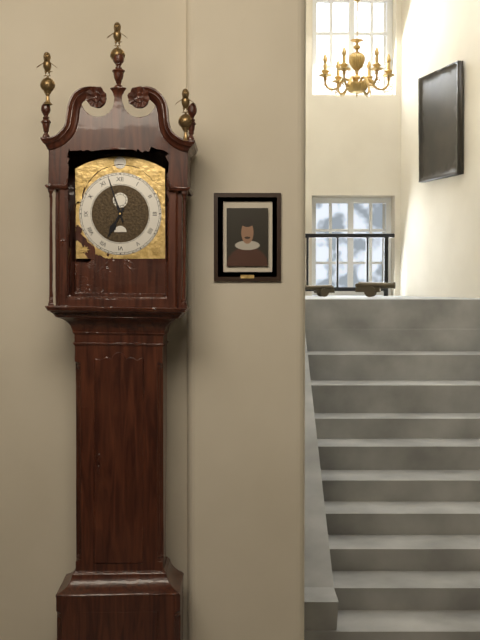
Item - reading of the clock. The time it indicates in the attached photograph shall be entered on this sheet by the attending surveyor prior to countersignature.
6:57
